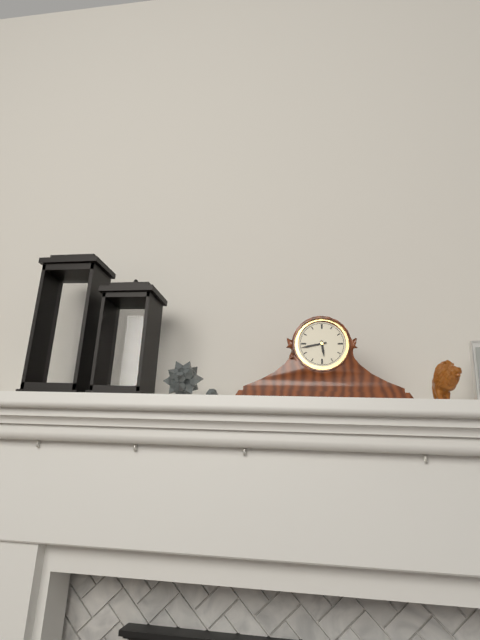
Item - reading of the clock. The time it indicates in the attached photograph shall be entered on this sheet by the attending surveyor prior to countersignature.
5:43
